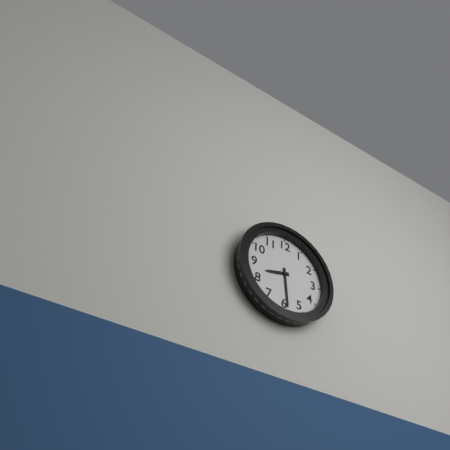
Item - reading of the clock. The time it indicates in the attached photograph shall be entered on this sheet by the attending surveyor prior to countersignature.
8:29
